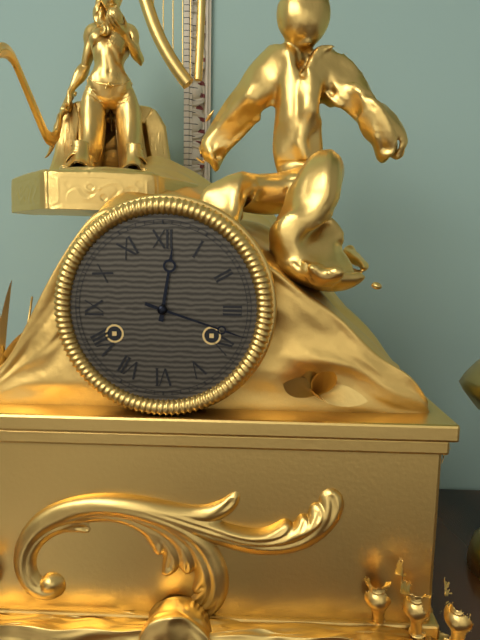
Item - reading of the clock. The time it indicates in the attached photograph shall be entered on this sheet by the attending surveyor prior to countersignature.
12:18
